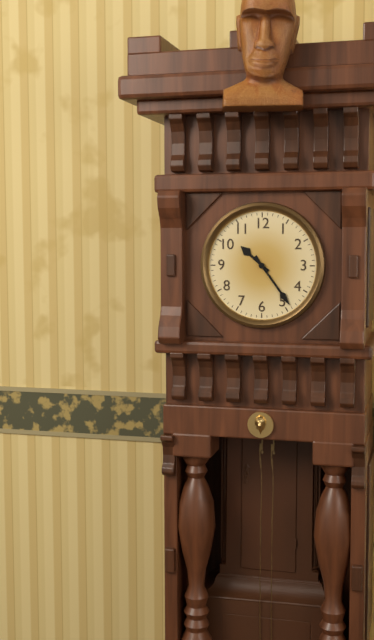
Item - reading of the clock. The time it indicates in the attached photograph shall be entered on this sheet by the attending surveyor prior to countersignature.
10:24
